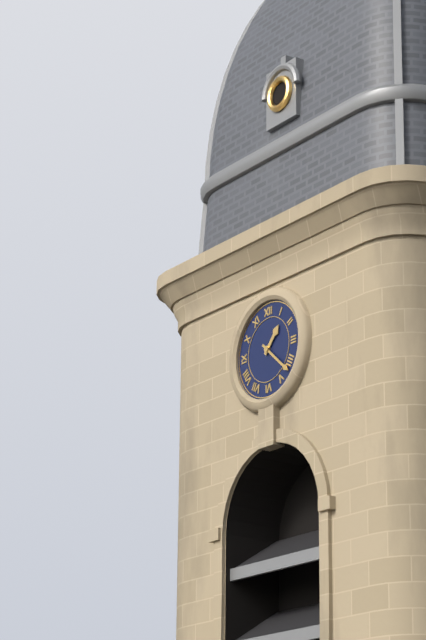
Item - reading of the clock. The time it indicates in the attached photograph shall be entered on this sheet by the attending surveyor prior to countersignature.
1:22
